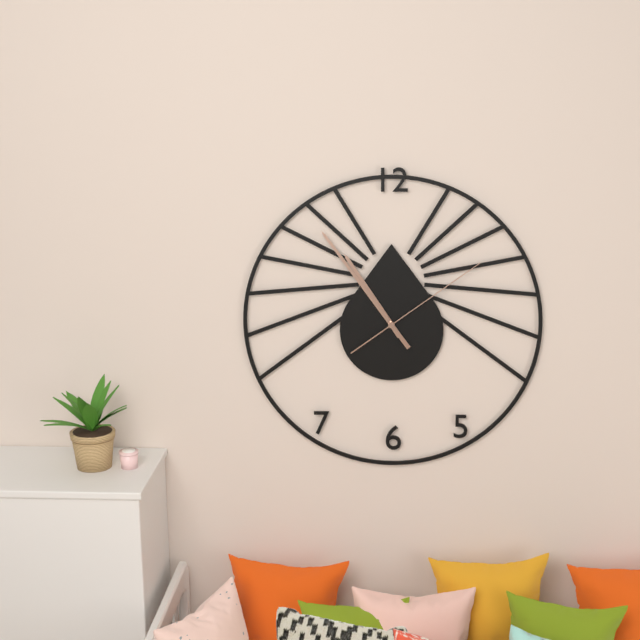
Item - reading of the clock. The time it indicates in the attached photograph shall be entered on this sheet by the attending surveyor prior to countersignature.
10:54:09
